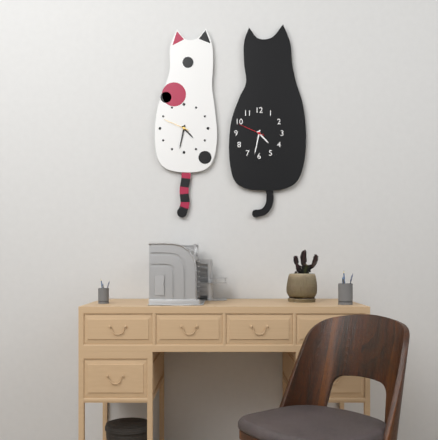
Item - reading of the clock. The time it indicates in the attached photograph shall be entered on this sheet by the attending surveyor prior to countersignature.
4:32
